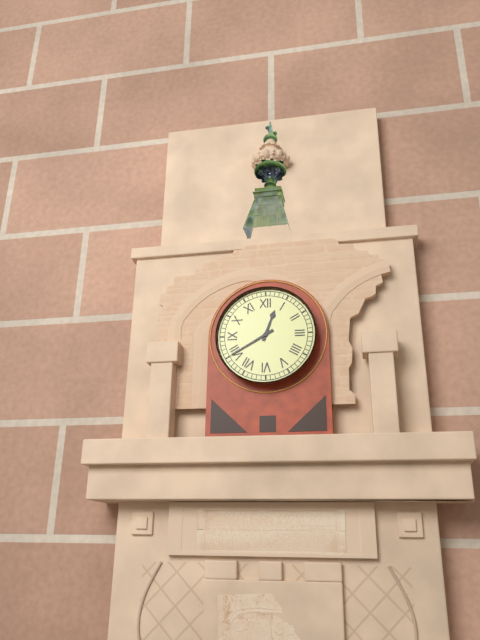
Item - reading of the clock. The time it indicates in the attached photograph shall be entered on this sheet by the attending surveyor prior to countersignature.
12:40
